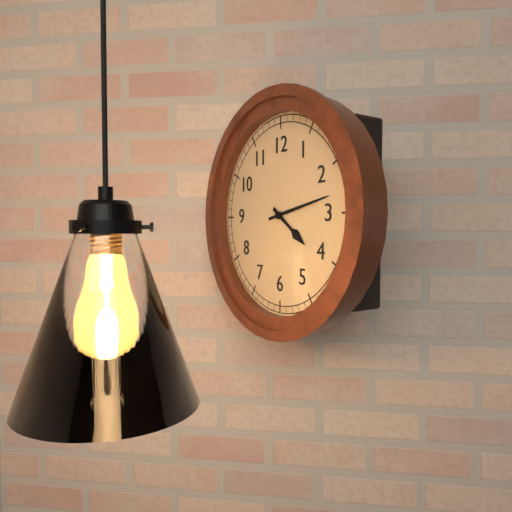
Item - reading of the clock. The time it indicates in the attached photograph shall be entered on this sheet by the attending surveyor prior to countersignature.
4:13
